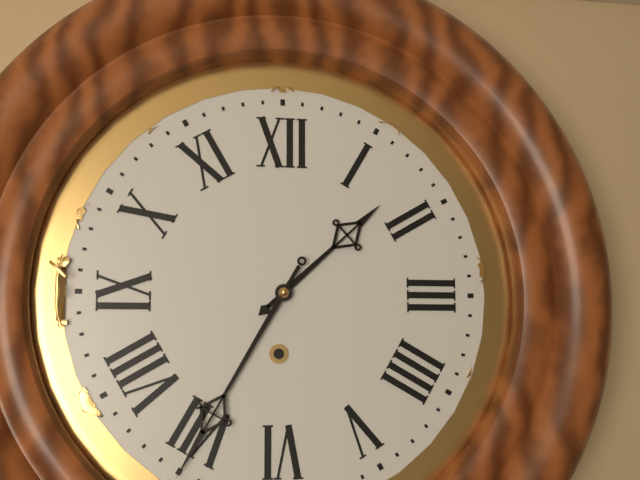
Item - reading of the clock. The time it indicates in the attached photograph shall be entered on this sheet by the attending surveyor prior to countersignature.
1:35
